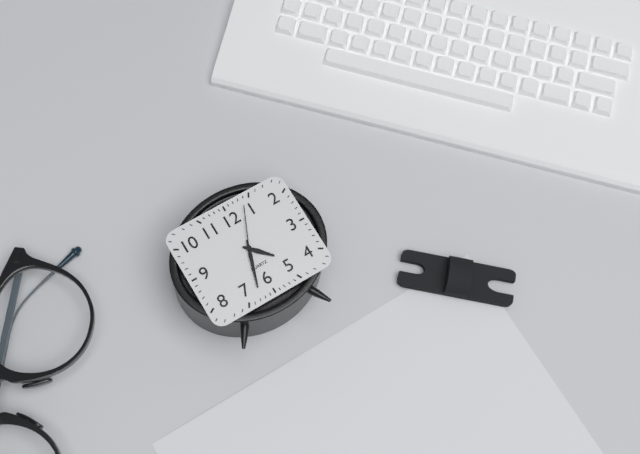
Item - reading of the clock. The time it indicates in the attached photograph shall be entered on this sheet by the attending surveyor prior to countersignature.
4:33:04
